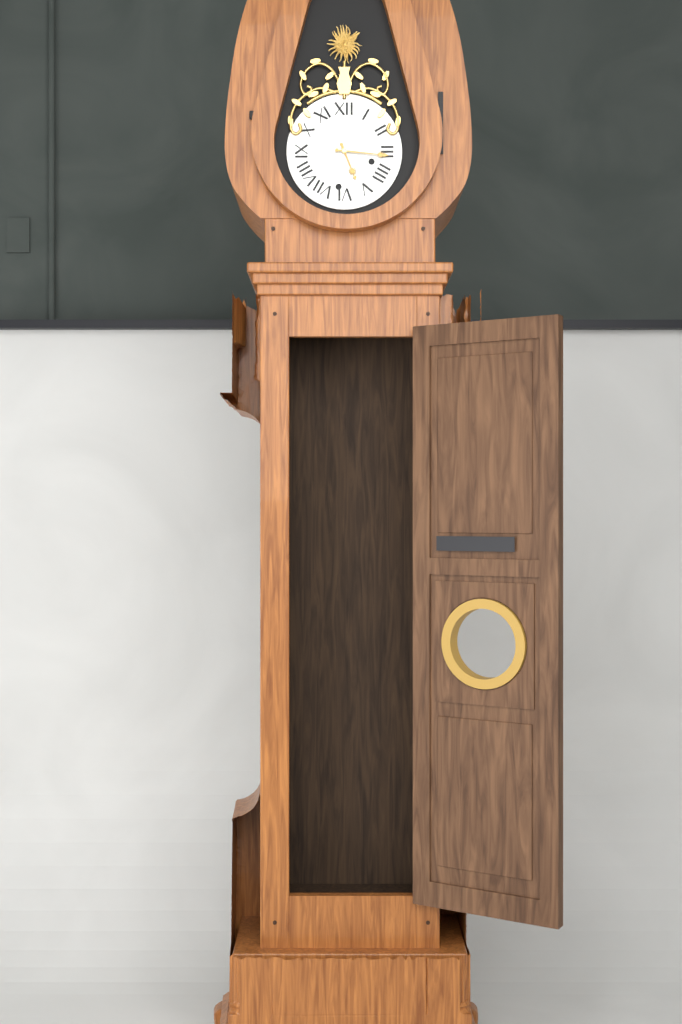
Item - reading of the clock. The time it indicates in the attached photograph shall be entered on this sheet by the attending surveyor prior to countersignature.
5:16
